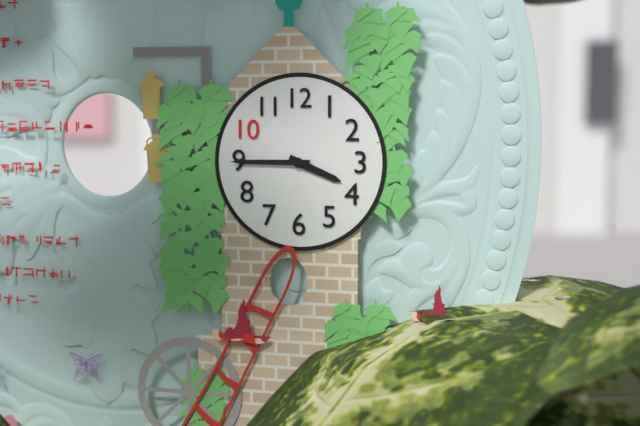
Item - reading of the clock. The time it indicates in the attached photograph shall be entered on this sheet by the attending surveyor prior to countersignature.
3:45
